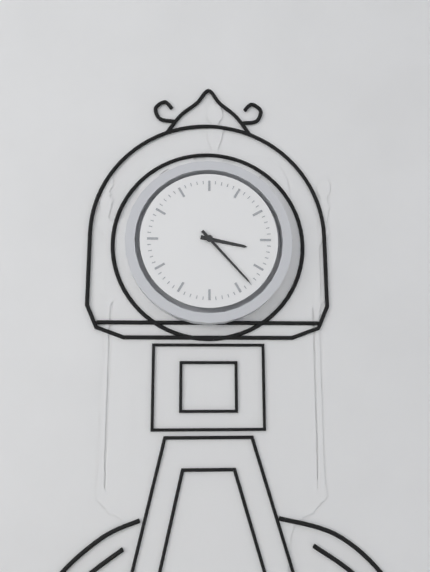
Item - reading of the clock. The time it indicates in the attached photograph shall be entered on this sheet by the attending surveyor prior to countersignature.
3:23
